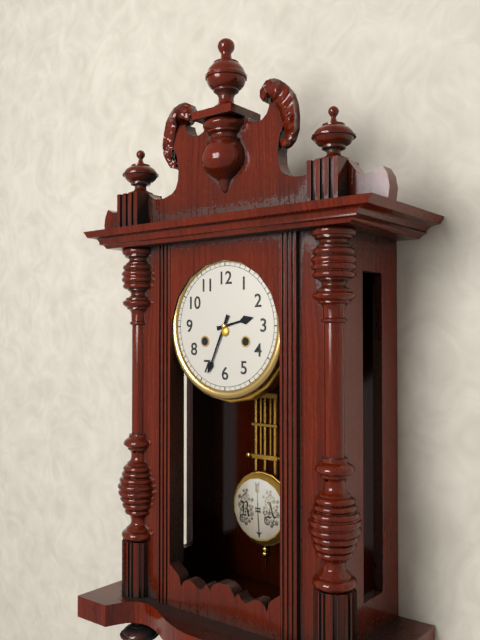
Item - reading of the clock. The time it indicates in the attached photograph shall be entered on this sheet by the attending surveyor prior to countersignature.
2:34
